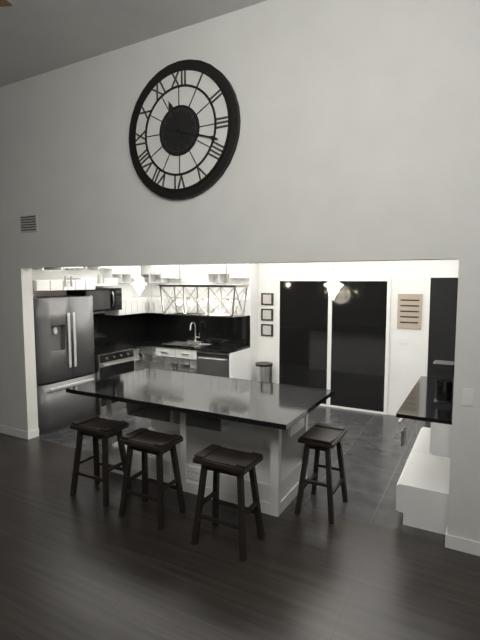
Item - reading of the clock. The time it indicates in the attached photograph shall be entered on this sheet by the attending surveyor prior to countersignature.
11:18
